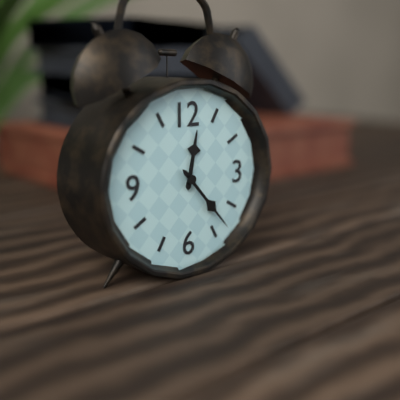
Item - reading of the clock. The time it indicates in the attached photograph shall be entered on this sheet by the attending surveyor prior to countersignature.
12:23
